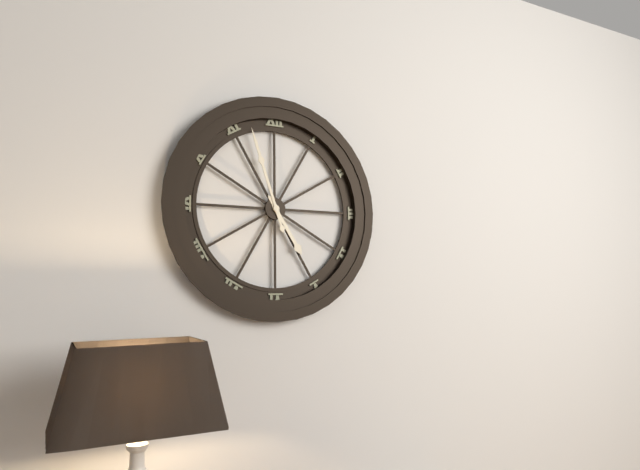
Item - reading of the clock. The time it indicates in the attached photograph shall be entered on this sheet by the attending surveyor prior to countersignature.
4:57
